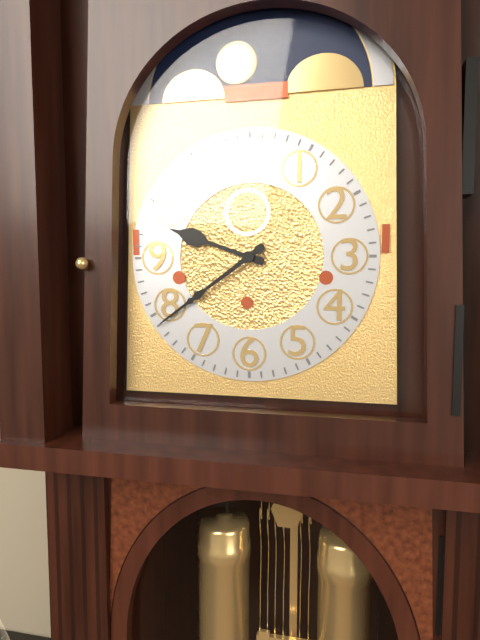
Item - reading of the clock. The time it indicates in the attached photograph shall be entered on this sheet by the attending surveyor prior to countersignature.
9:39
